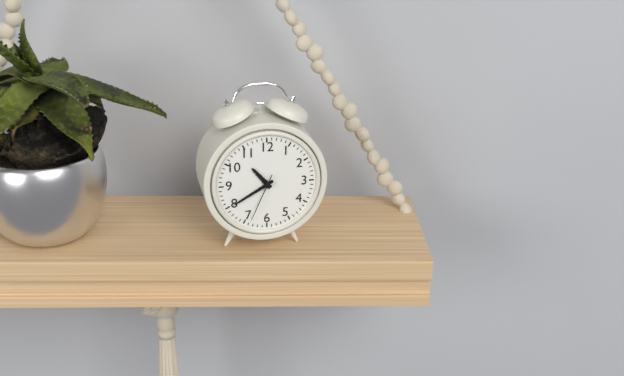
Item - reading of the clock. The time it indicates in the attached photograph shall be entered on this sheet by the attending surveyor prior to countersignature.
10:40:34
